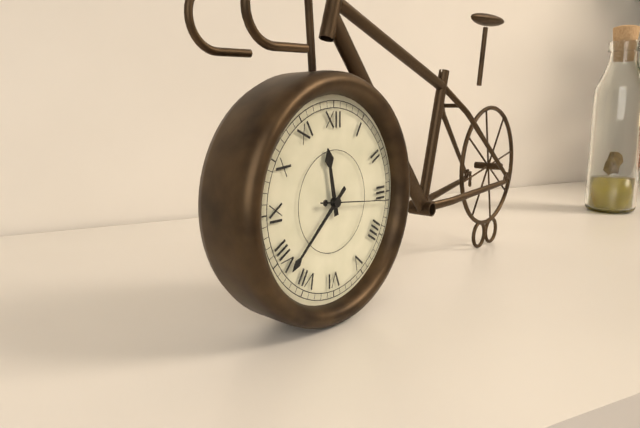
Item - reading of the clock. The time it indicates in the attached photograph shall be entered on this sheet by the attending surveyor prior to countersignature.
11:38:16
